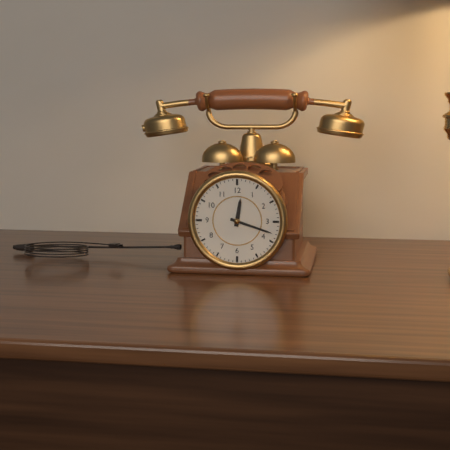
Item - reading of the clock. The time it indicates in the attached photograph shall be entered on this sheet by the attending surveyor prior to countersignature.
12:18
